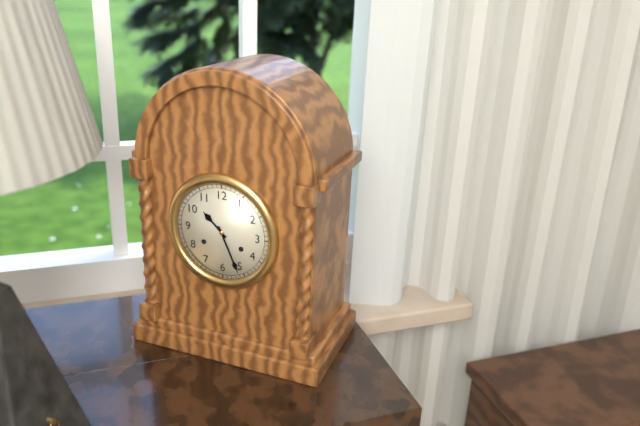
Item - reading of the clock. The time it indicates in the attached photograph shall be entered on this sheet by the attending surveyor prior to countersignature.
10:26
